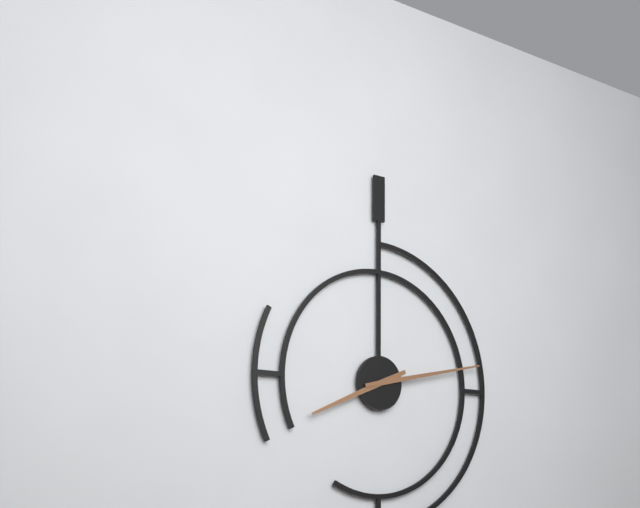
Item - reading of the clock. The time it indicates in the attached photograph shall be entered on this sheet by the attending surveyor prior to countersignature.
8:13
